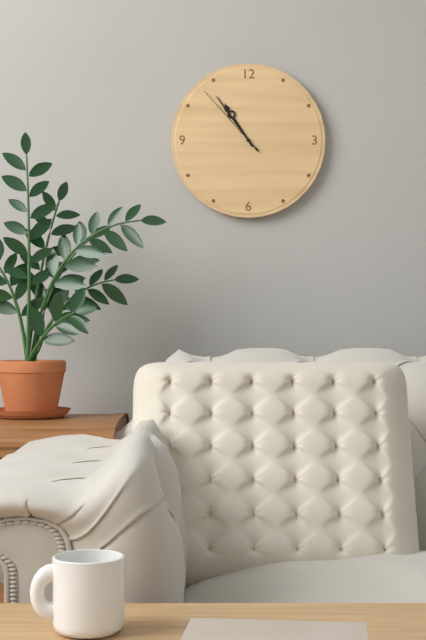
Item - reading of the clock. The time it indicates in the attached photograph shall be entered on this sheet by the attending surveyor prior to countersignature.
10:54:53
